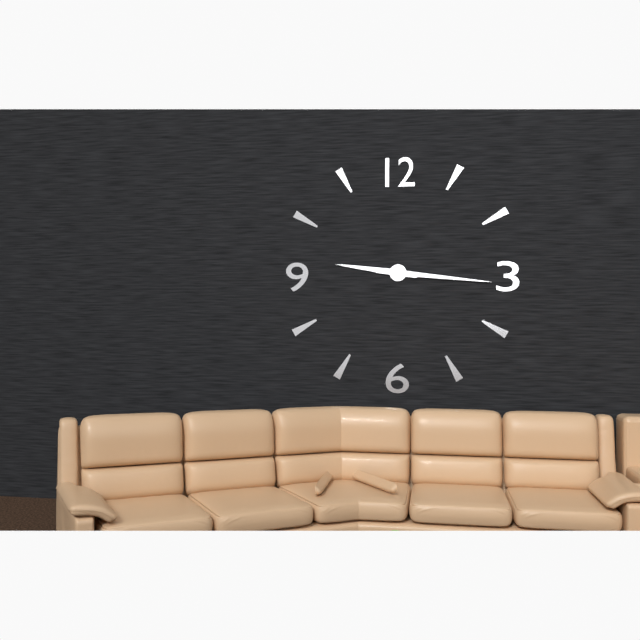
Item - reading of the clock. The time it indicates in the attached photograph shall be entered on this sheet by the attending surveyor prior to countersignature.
9:16
